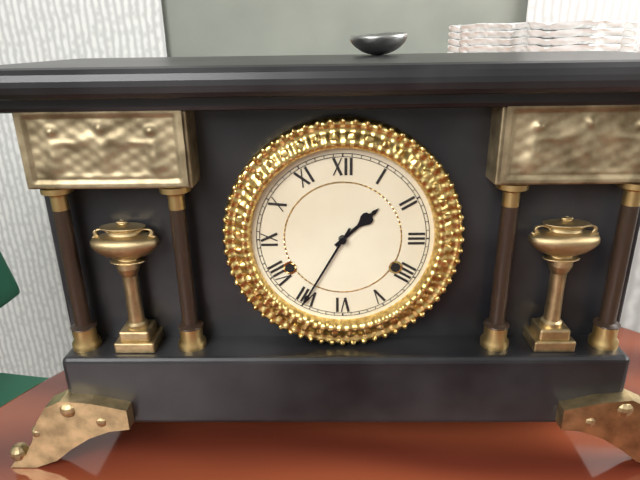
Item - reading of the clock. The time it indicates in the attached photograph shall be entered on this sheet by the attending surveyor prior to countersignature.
1:35
